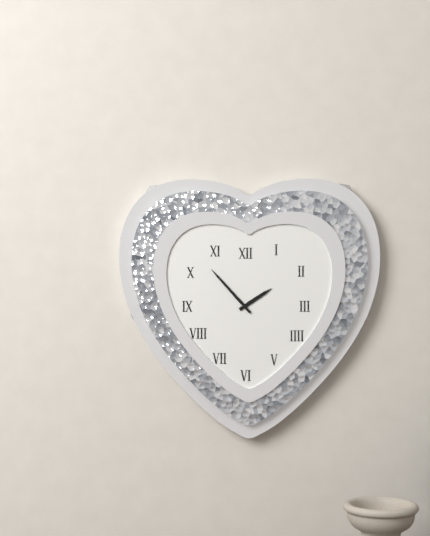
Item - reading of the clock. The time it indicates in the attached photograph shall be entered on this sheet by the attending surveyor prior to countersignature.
1:53
